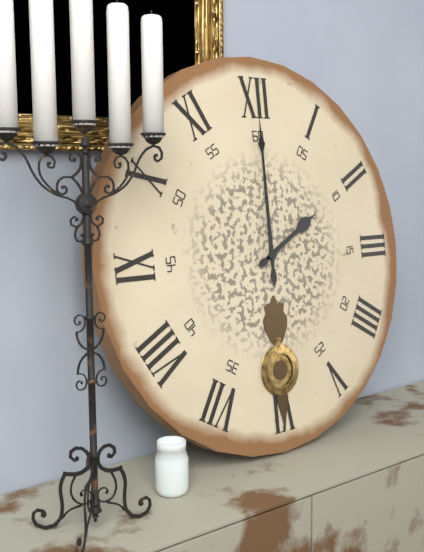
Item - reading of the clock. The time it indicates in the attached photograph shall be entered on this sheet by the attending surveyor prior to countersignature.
2:00
